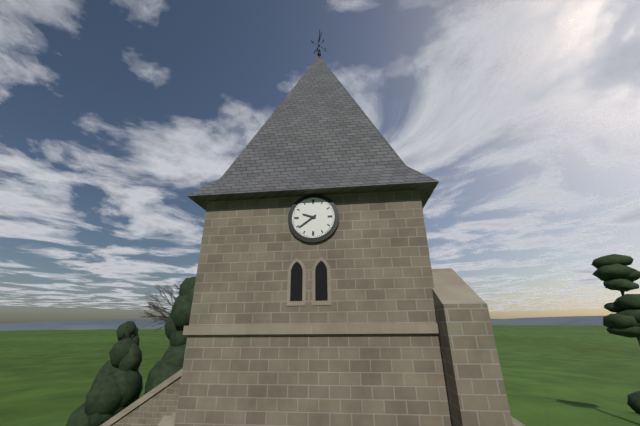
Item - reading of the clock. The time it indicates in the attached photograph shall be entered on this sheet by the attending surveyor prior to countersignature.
9:39
